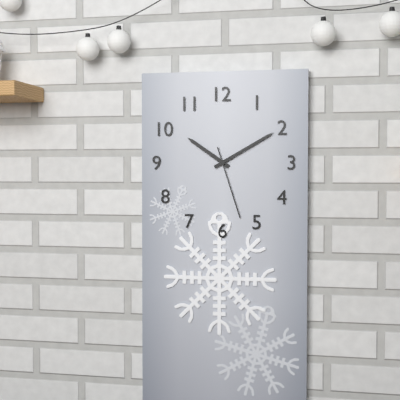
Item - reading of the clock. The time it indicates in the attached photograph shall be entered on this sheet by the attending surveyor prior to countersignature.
10:10:27
